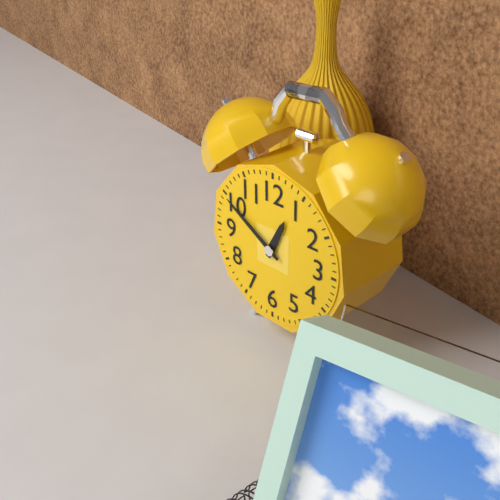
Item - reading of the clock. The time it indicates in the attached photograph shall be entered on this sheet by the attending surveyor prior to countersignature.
12:50
